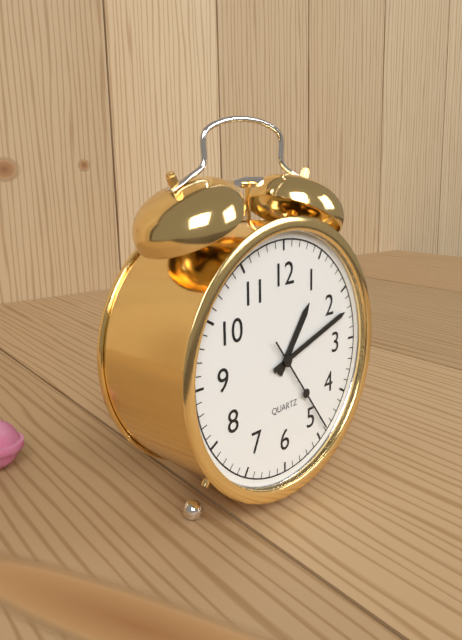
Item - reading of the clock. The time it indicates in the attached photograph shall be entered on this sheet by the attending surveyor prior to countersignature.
1:12:24
